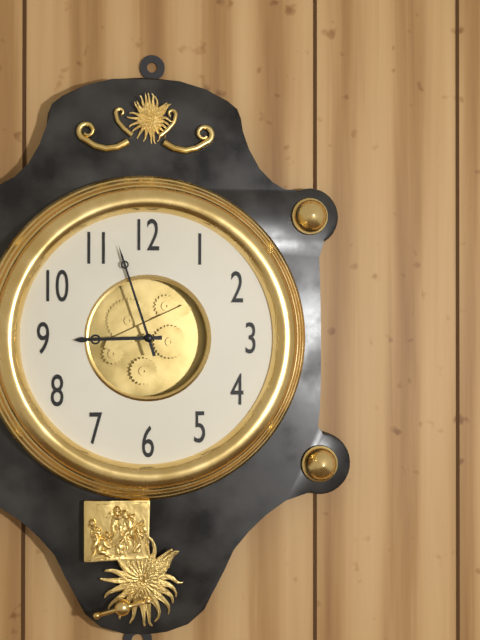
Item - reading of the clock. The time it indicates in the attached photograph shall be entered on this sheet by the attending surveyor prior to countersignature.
8:57
